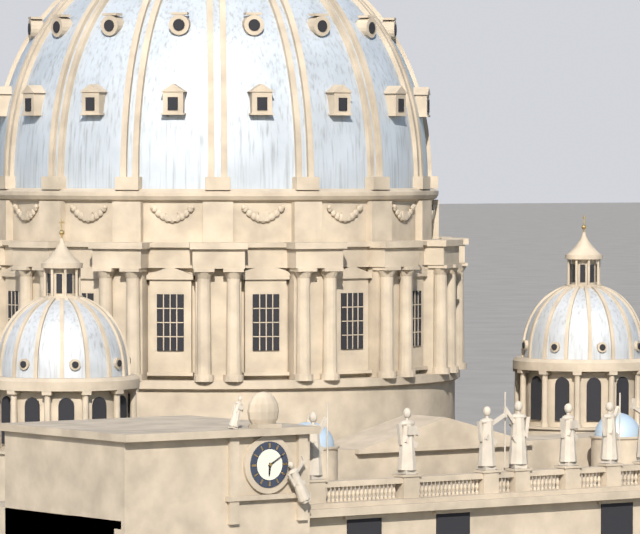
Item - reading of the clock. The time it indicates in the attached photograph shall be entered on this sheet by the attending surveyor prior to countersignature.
6:10
